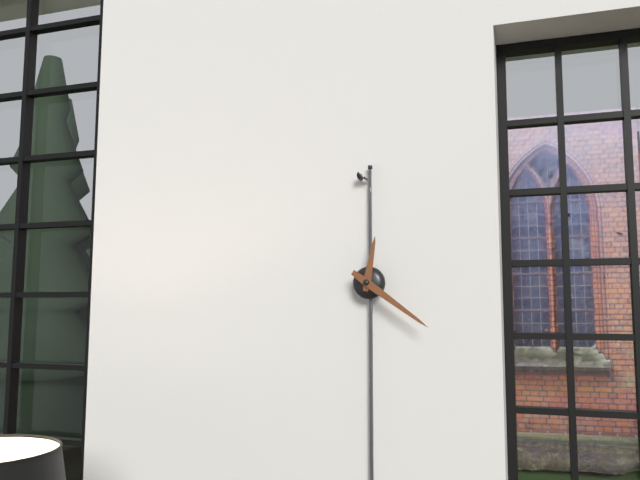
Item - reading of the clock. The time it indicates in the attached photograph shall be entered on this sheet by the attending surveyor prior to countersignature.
12:21
